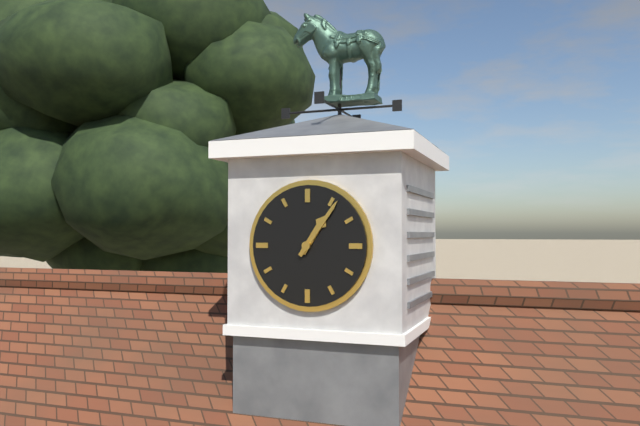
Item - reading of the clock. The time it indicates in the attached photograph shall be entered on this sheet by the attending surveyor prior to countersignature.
1:06
